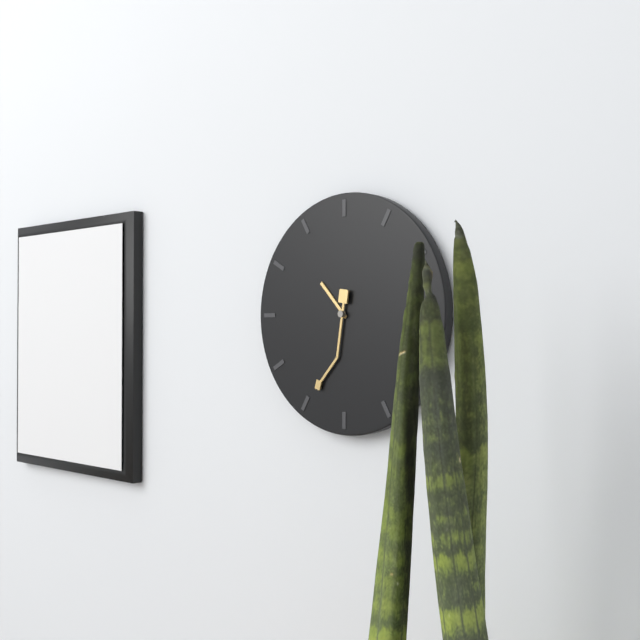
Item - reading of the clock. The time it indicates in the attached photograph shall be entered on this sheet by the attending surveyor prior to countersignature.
10:34
